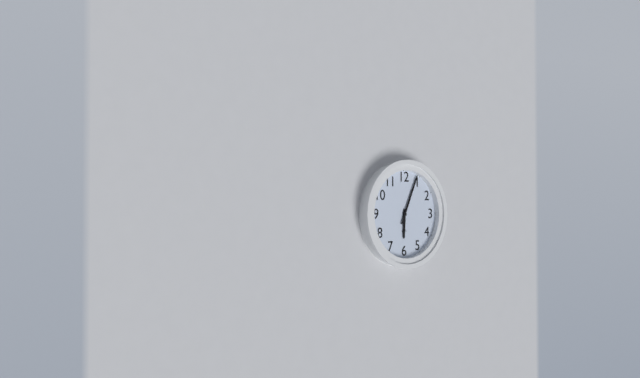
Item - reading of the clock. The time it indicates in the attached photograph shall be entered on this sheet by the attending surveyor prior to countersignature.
6:04
